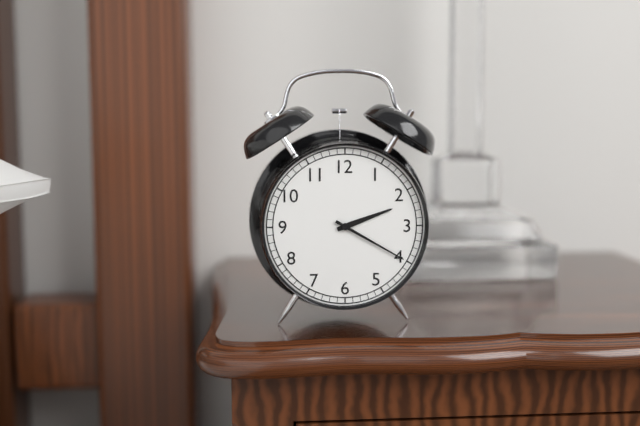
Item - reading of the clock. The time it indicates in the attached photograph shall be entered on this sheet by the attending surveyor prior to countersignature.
2:20
